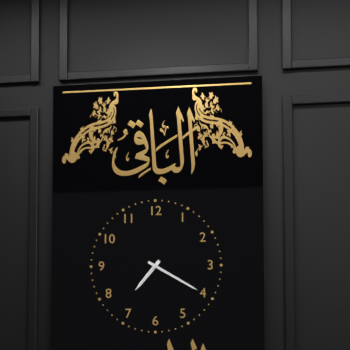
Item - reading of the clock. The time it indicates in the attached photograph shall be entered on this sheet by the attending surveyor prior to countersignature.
7:20
